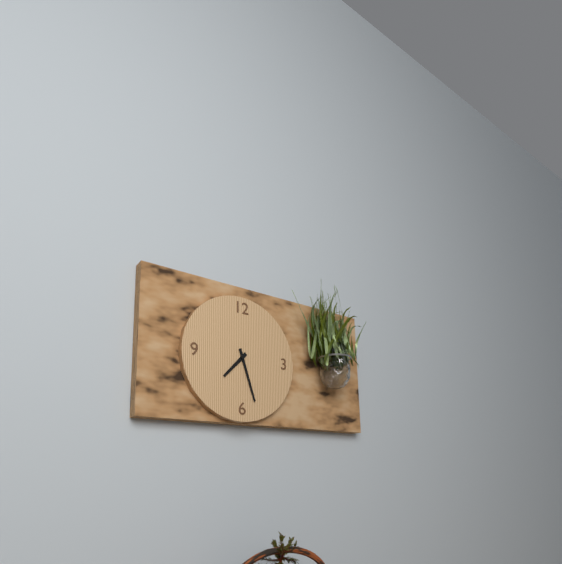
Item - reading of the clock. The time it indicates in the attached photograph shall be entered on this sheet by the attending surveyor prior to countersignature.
7:27
